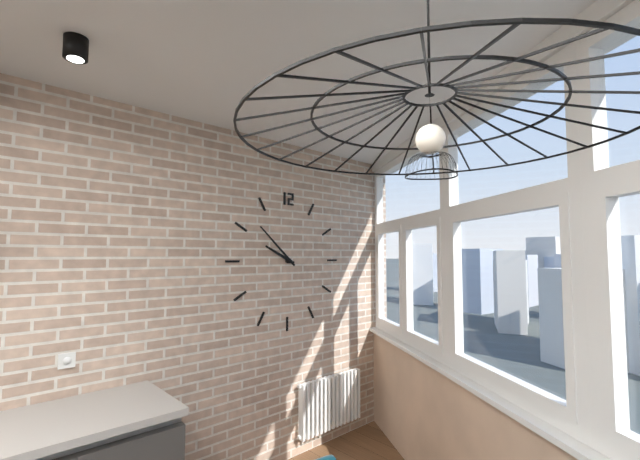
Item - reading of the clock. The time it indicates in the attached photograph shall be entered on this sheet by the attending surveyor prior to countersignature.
9:52
